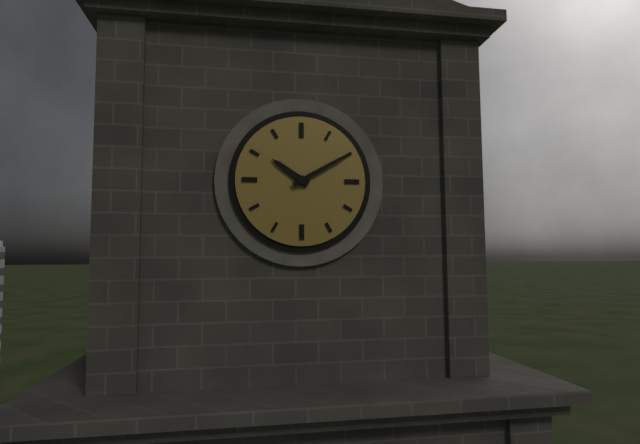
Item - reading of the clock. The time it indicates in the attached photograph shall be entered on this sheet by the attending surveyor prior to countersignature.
10:10
